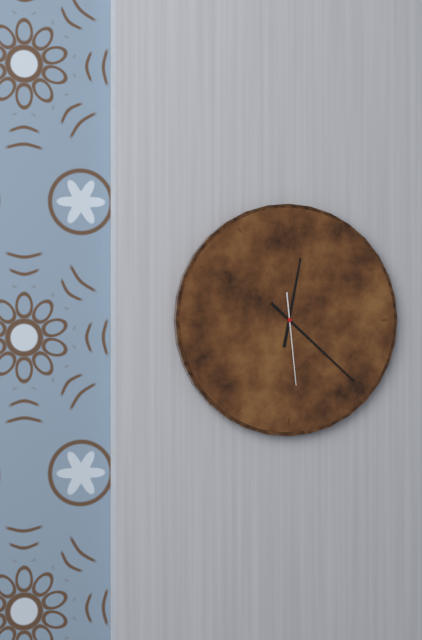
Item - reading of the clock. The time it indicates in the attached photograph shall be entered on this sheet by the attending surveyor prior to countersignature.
12:22:29
